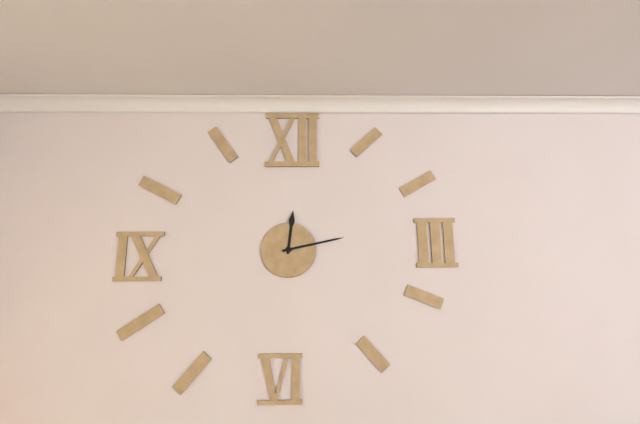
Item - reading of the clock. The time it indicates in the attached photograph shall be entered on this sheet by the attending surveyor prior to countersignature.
12:13
